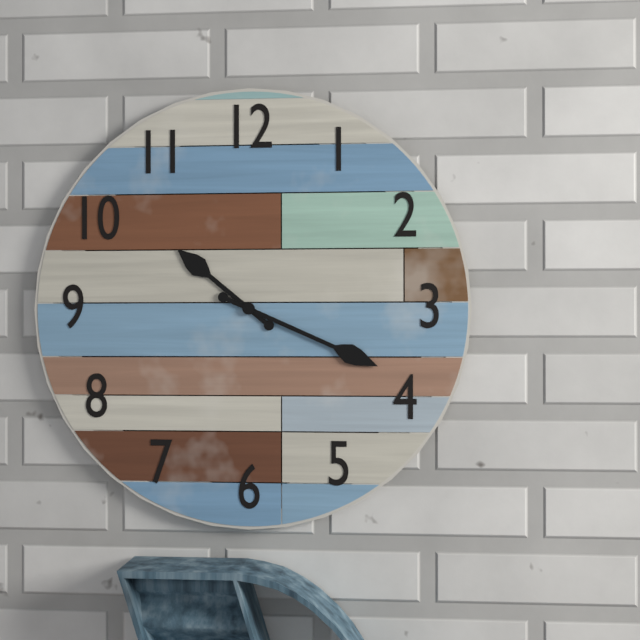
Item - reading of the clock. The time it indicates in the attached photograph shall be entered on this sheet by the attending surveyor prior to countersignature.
10:19
